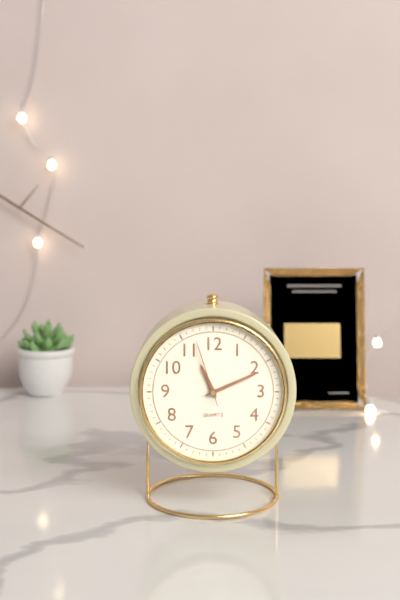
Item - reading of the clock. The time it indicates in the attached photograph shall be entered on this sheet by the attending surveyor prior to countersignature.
11:11:57
